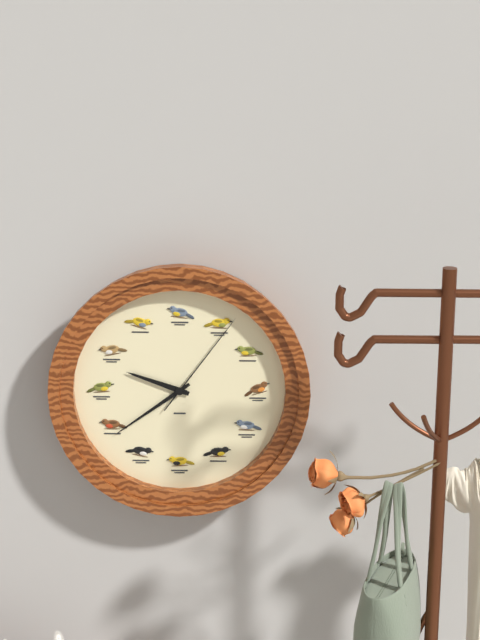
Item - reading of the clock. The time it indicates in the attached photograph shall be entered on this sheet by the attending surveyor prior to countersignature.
9:39:06
